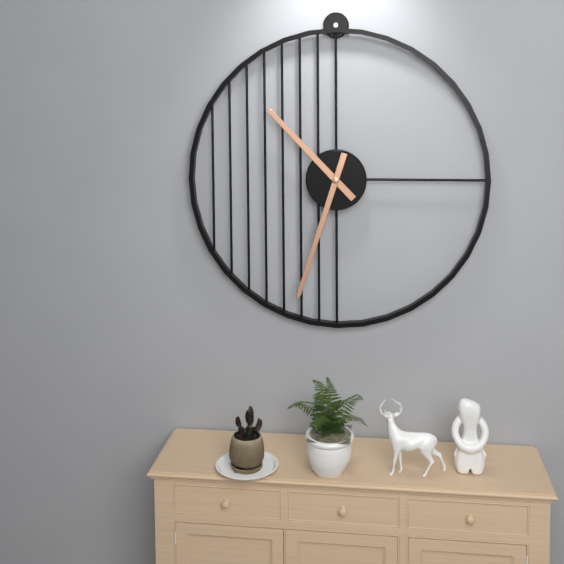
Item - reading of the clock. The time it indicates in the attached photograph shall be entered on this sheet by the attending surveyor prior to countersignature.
10:33
